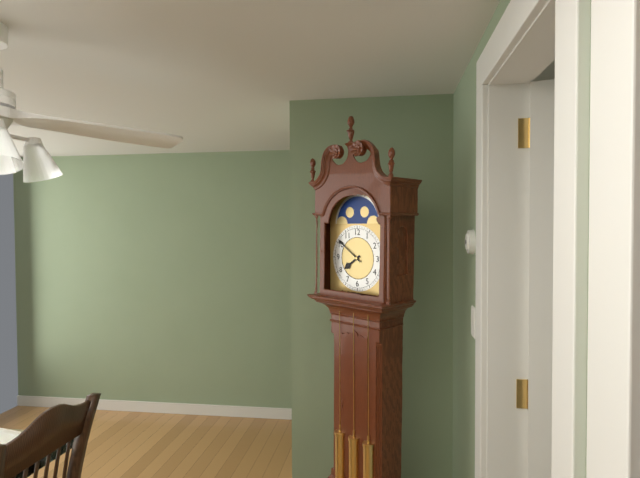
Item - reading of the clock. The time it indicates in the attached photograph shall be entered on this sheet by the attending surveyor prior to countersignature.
7:51
